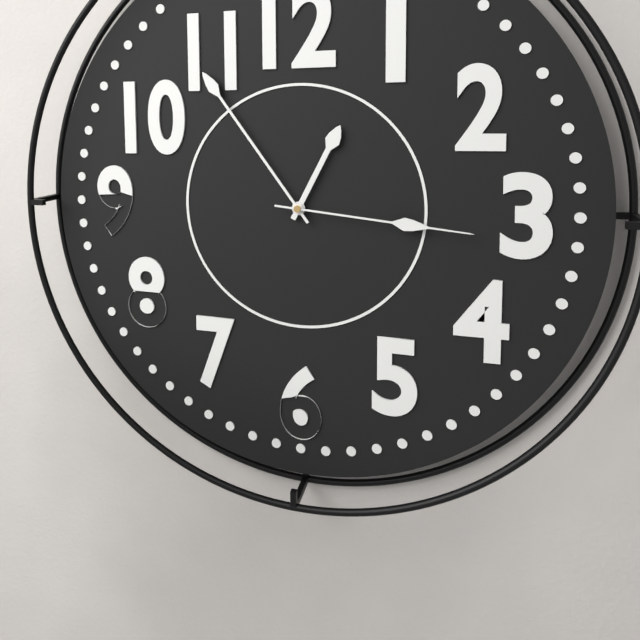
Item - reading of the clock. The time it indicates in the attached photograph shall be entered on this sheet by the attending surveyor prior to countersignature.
12:54:16
